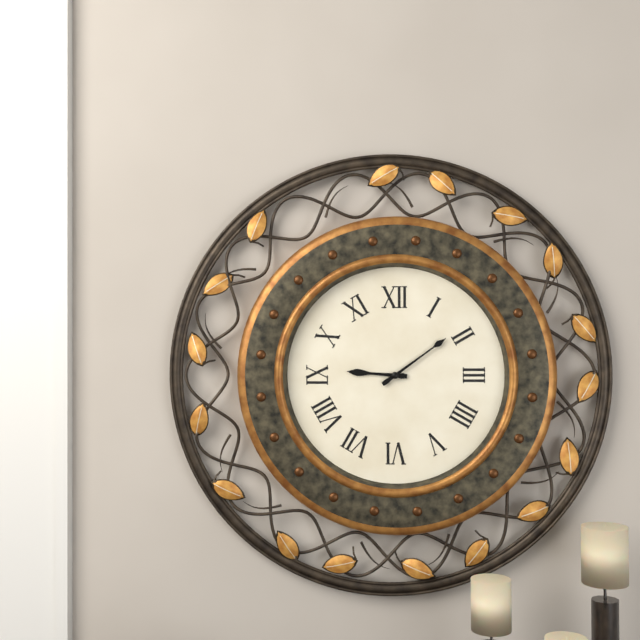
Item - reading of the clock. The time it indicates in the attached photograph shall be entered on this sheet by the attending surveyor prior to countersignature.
9:09
